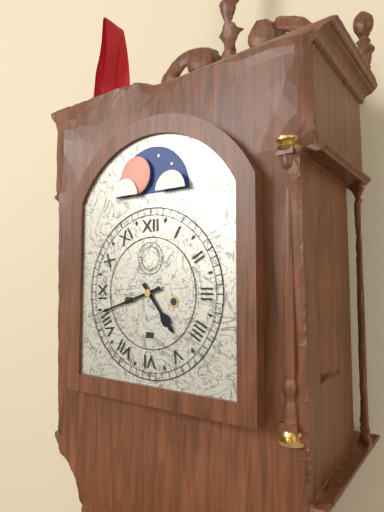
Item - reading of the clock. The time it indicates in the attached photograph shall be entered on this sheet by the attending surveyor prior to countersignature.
4:42
